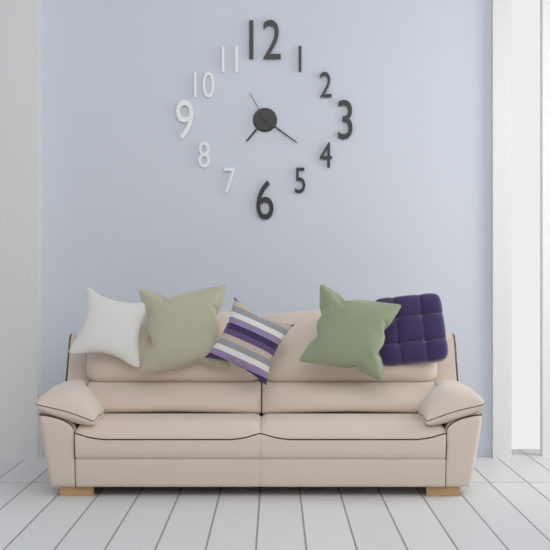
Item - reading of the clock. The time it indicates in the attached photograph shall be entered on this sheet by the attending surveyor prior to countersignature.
7:21
